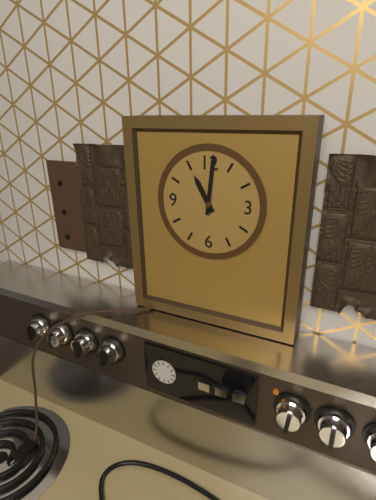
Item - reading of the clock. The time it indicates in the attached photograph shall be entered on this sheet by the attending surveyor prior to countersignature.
11:01
